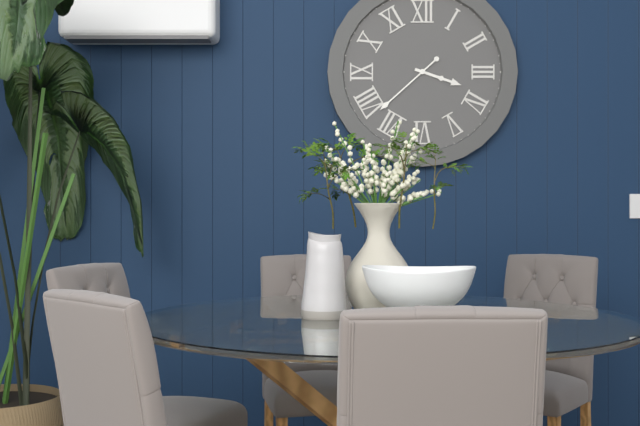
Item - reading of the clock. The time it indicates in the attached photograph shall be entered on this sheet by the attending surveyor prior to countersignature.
3:38
